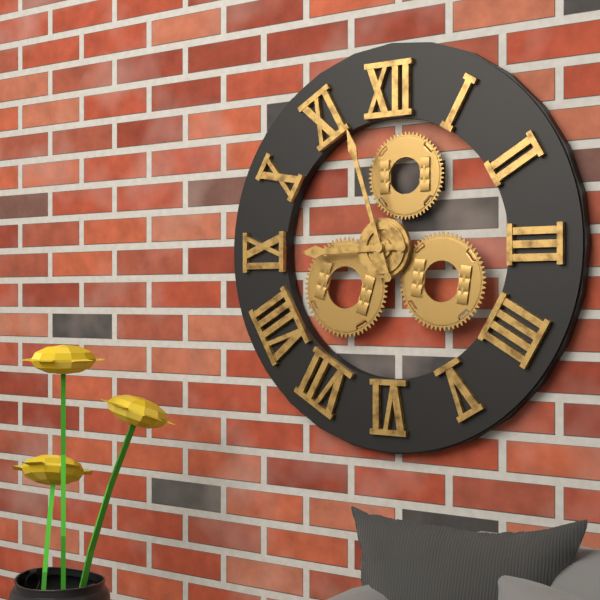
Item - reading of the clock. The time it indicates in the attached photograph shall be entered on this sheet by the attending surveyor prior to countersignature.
8:57
